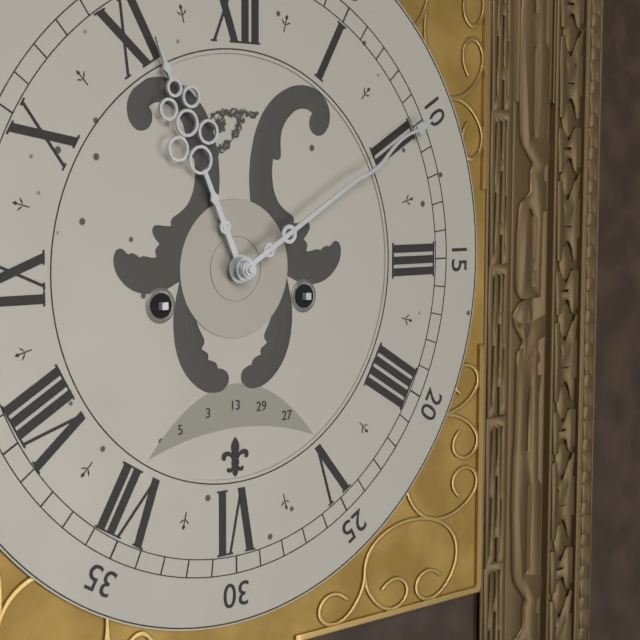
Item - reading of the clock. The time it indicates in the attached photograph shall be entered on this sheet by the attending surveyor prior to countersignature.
11:10
